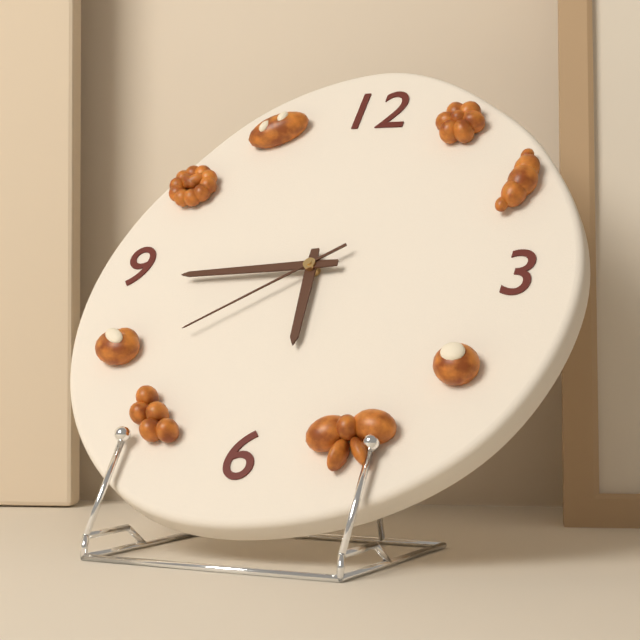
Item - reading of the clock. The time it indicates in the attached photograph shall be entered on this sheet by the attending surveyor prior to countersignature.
5:44:39
